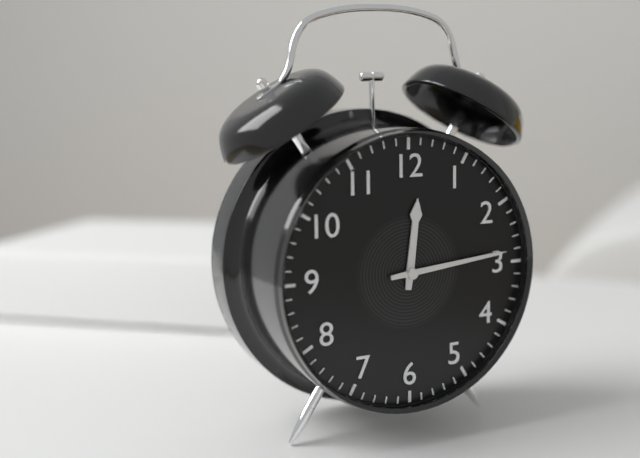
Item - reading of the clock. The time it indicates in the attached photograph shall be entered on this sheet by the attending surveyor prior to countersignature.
12:14
